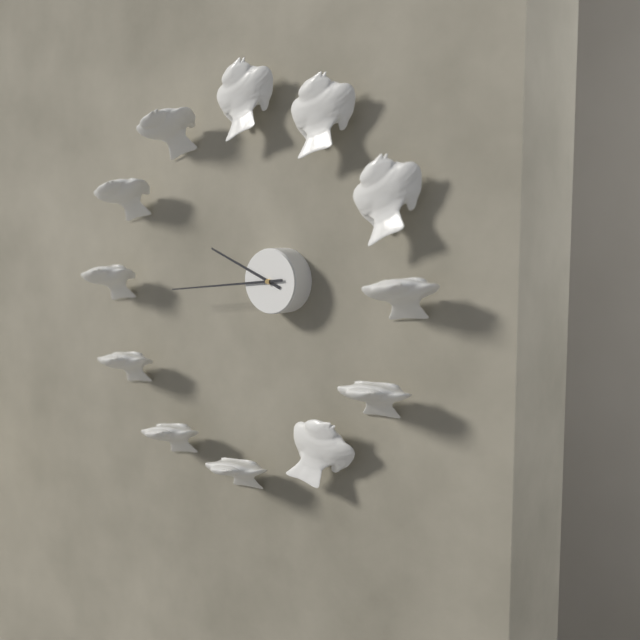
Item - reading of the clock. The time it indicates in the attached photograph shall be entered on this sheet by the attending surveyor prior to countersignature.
9:44
